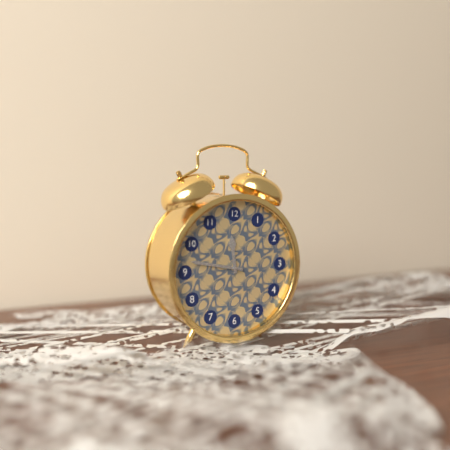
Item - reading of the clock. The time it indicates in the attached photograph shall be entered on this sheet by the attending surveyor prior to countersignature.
11:47
